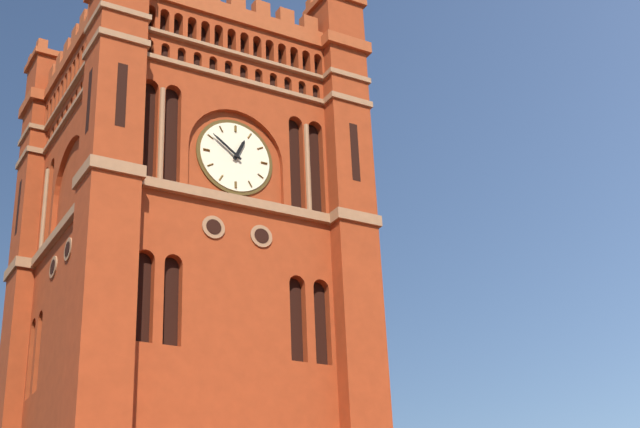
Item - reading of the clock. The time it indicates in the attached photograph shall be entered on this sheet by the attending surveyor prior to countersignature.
12:51
